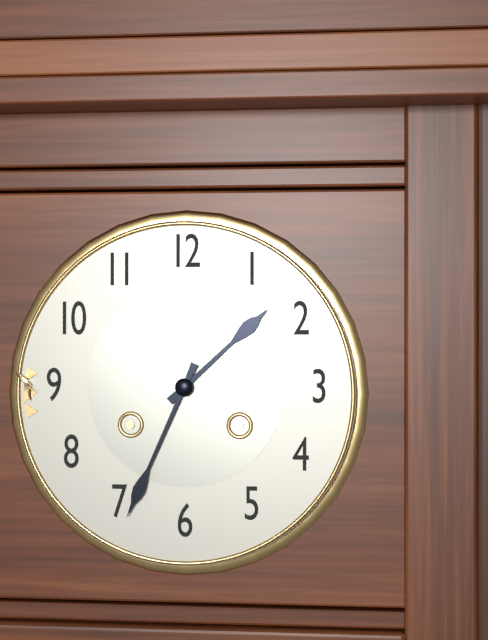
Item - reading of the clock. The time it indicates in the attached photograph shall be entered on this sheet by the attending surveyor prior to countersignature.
1:34
